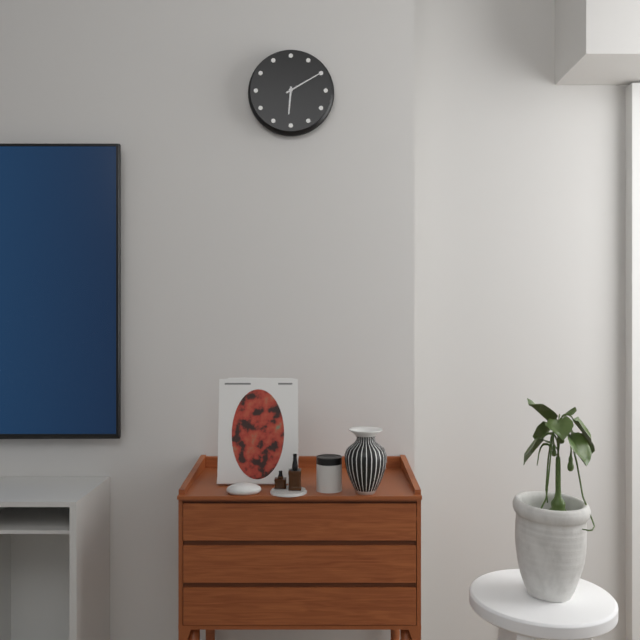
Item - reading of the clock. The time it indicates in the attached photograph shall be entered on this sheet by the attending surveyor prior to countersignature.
6:10
